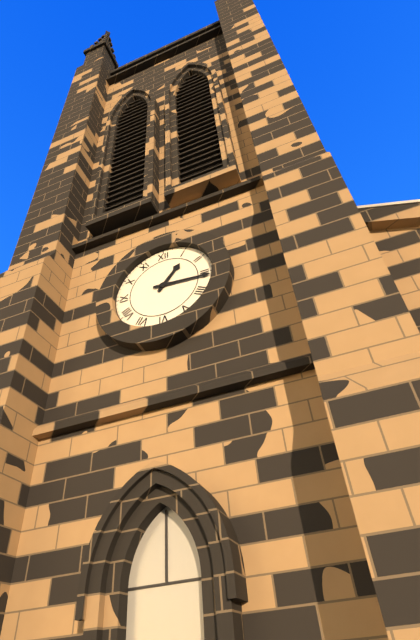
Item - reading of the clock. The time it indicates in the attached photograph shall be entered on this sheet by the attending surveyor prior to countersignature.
1:16
